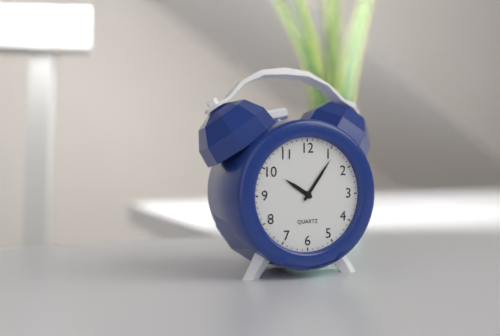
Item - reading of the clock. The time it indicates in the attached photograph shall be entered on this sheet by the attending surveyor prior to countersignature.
10:06
